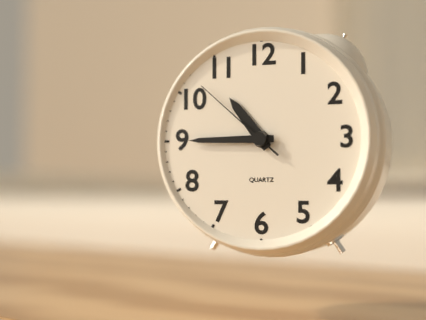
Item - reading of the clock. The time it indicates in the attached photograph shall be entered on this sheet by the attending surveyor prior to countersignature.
10:45:52
